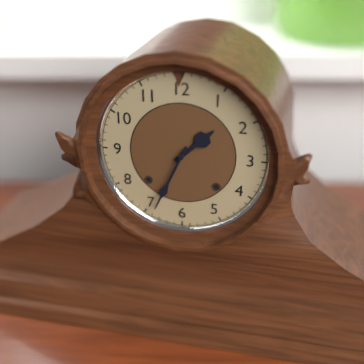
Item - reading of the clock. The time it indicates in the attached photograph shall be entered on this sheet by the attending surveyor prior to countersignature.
1:34
